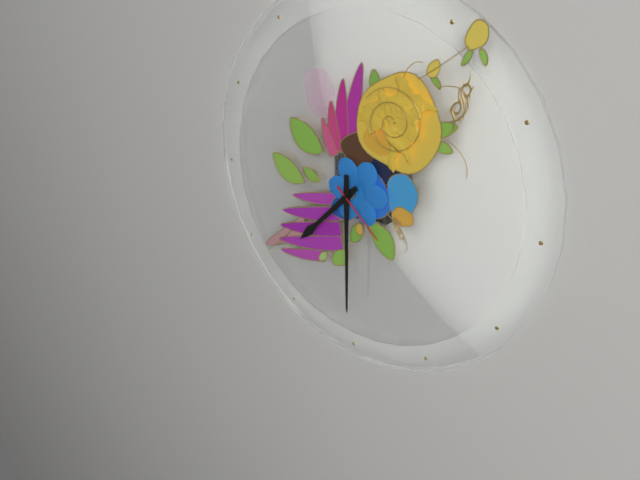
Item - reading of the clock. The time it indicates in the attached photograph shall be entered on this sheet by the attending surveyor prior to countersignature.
7:30:22
